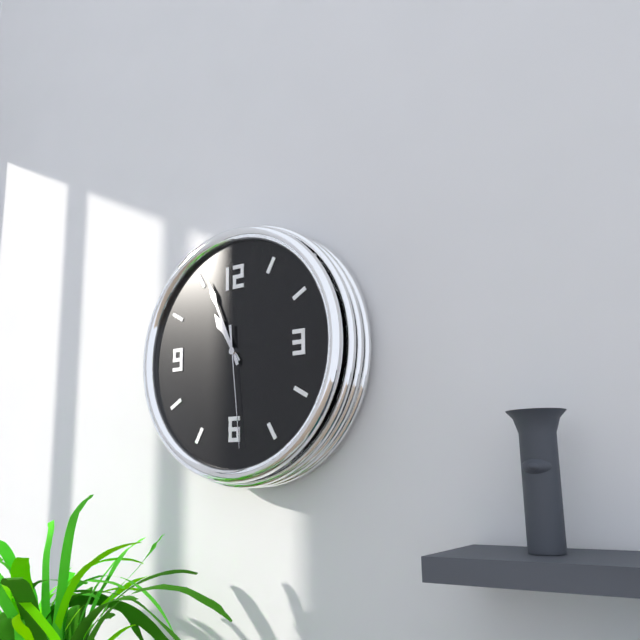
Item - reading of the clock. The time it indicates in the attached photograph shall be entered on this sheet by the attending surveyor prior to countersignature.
10:56:29
